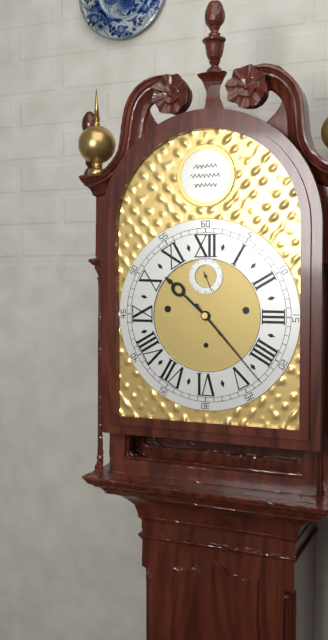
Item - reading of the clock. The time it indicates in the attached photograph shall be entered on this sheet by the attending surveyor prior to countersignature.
10:23
